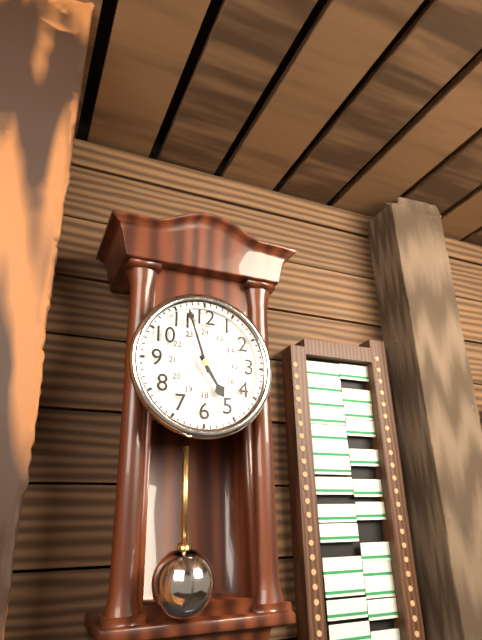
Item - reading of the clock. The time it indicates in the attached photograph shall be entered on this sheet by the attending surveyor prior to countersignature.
4:57
